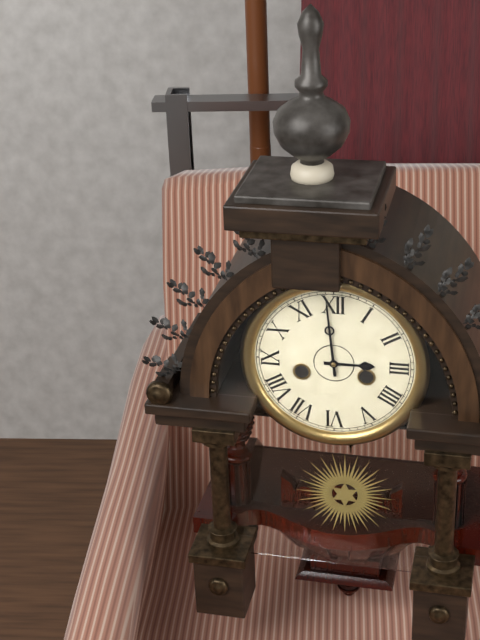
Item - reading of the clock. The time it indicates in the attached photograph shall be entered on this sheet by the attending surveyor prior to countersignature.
2:59
